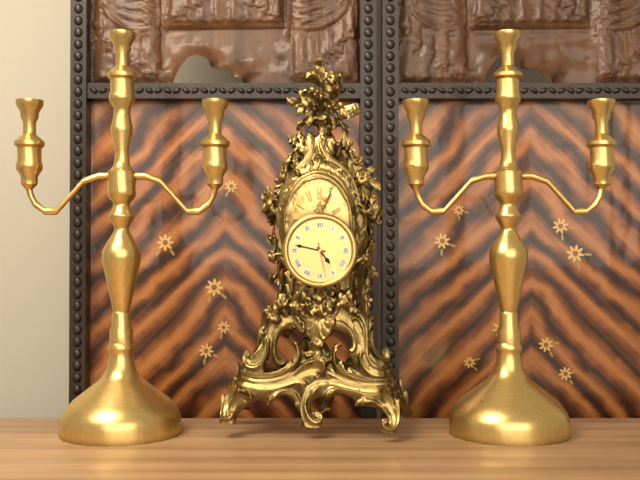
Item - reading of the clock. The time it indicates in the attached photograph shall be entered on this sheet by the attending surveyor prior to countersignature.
4:47
